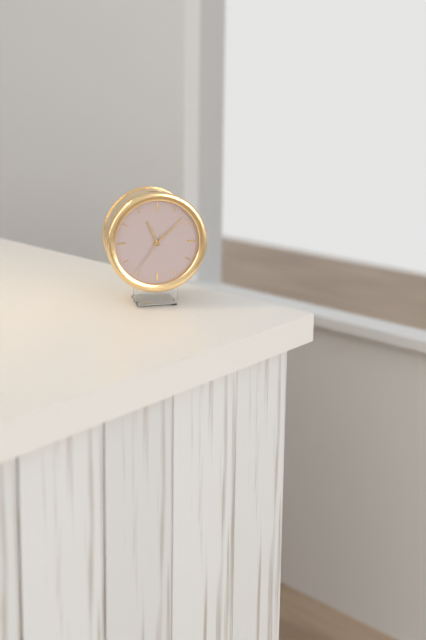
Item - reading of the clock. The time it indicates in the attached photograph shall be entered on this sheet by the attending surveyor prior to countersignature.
11:08
